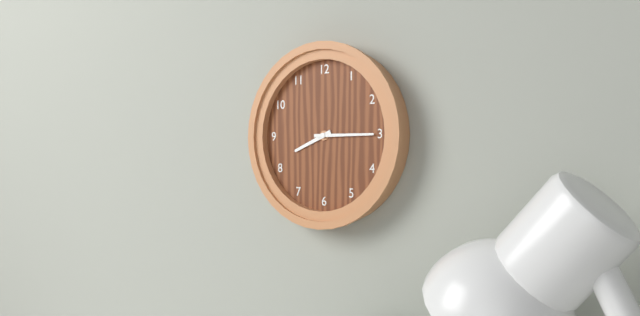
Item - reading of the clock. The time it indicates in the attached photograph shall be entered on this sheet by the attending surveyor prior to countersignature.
8:15
